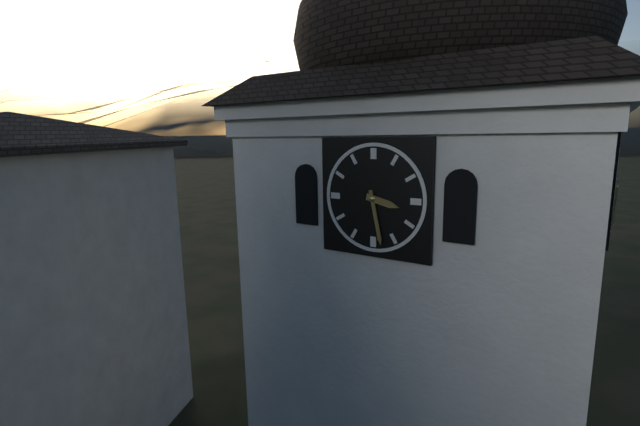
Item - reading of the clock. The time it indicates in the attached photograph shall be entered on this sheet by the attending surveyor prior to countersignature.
3:28
